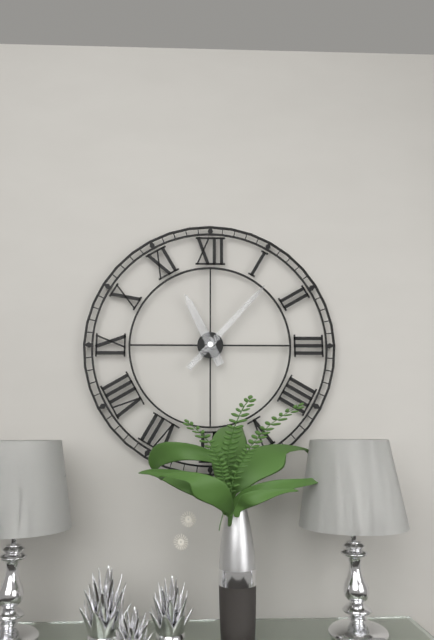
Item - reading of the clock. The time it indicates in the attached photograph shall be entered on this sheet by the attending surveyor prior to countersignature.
11:07
